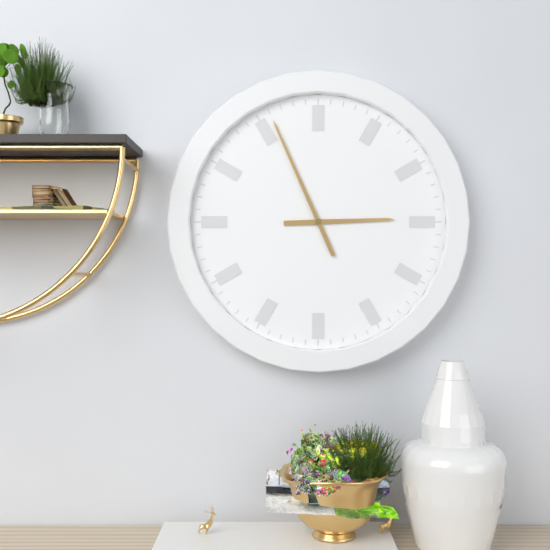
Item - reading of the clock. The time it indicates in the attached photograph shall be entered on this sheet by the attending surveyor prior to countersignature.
2:56
